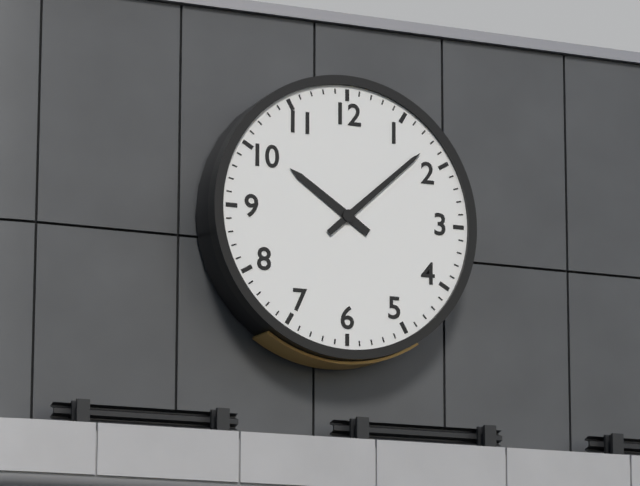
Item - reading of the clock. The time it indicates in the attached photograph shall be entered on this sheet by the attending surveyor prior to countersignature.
10:08
